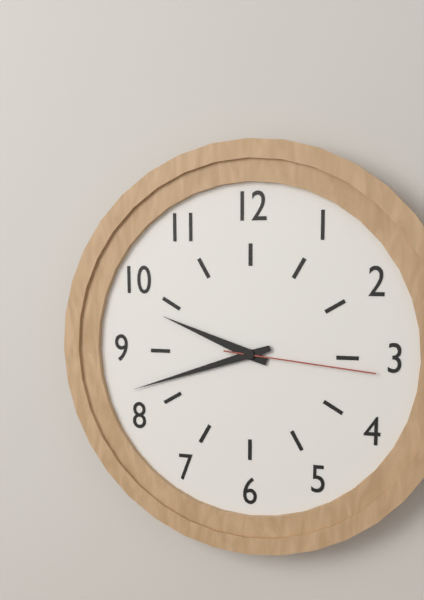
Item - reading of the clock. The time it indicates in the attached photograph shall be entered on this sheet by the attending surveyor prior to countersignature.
9:42:16
